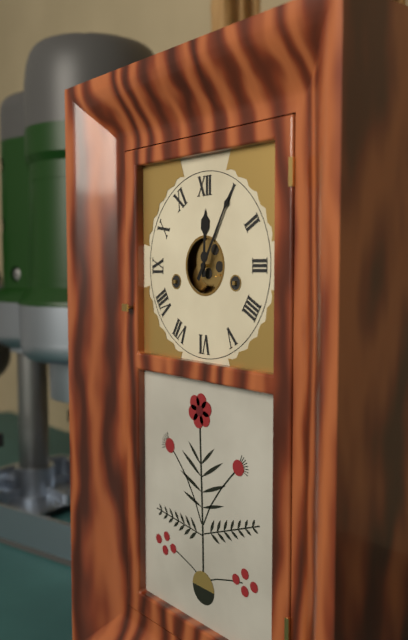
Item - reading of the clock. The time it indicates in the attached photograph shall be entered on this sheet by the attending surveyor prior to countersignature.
12:05
